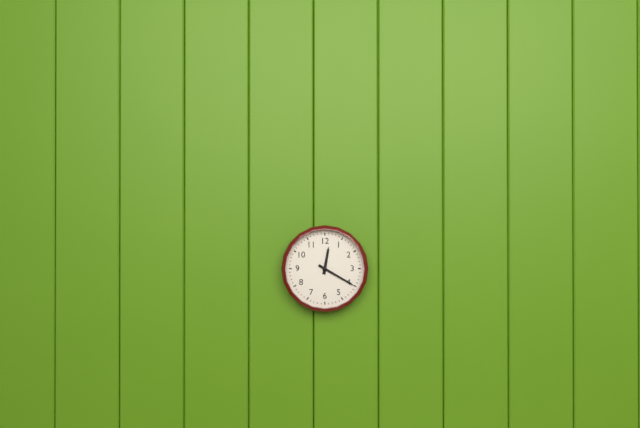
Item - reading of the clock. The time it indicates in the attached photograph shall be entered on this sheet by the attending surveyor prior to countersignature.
12:20
